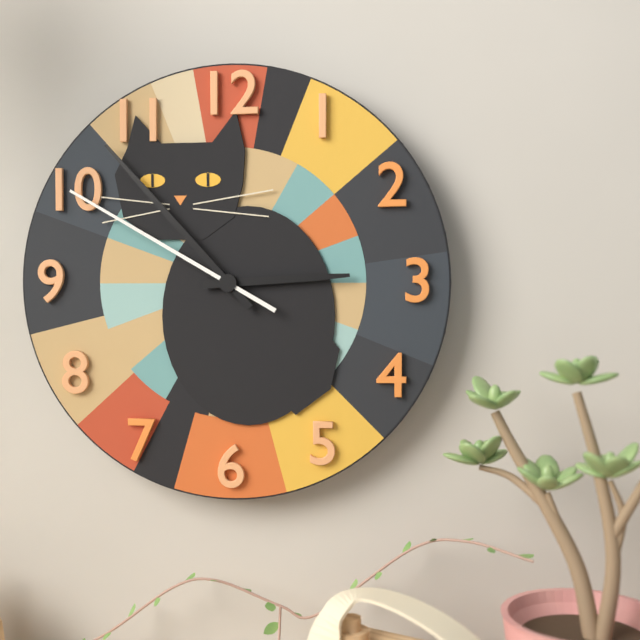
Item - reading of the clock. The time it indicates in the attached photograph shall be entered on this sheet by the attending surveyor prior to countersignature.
2:53:50
